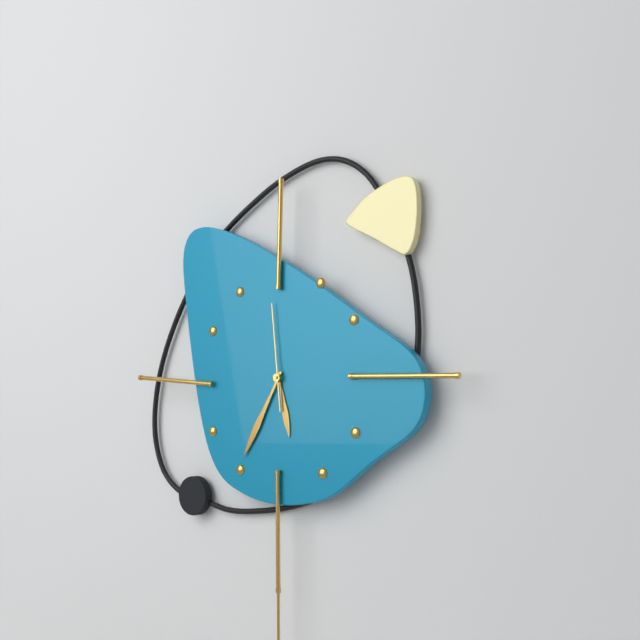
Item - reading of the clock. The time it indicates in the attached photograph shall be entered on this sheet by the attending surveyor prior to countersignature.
5:35:59
